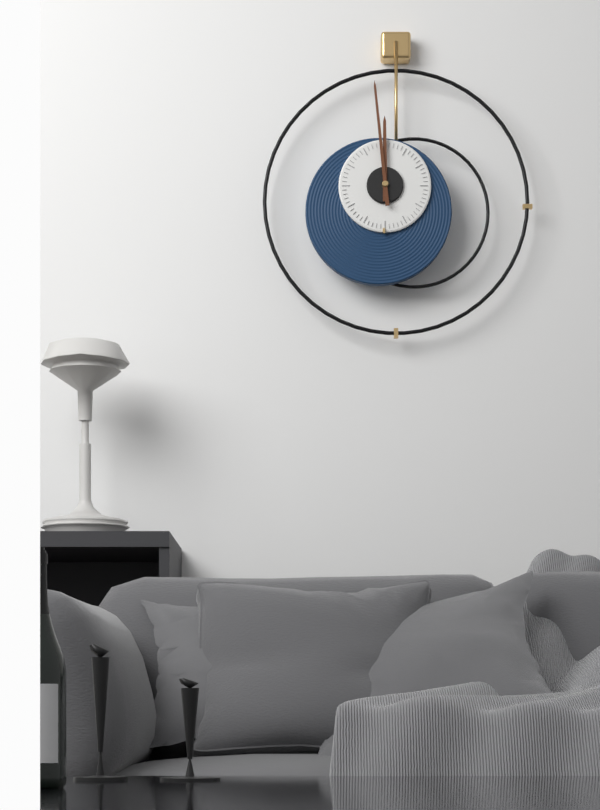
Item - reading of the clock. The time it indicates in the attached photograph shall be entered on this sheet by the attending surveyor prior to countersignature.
11:59
